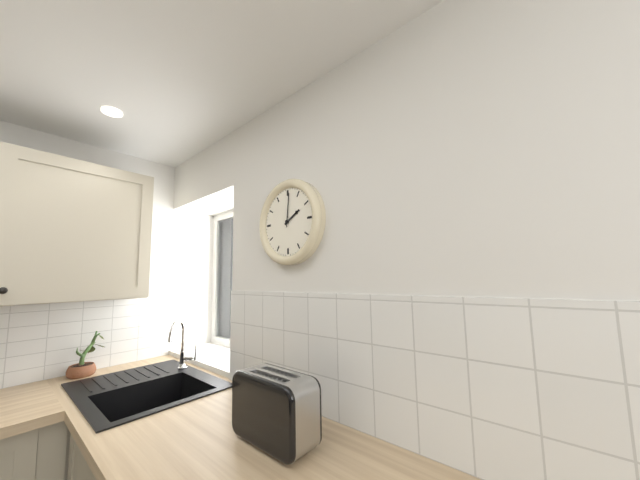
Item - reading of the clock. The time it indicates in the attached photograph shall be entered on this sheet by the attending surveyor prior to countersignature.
2:01
